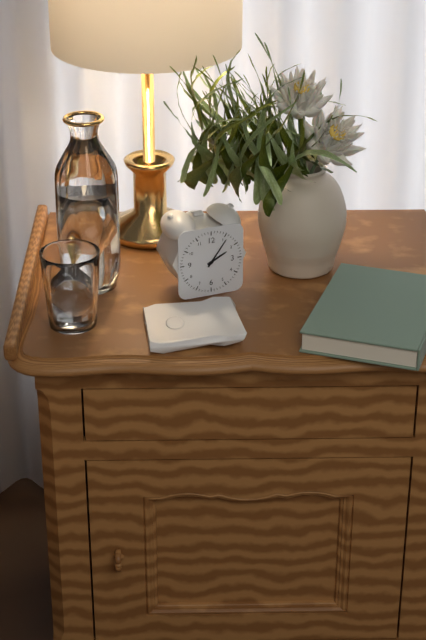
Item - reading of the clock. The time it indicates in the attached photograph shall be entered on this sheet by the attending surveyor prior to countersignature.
2:06
